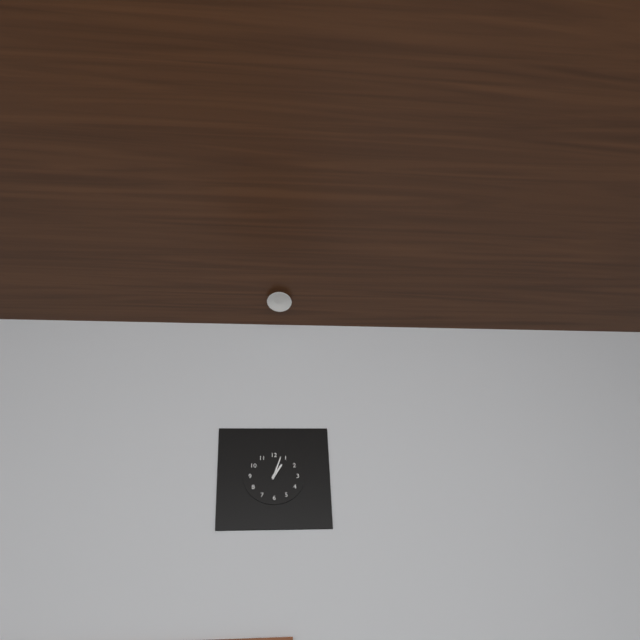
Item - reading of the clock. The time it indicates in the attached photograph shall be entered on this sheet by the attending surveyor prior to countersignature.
1:03
